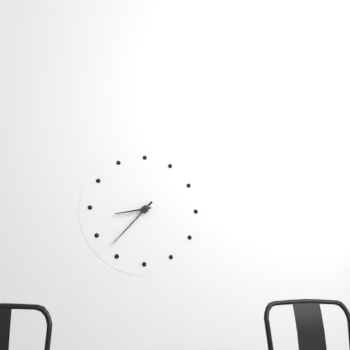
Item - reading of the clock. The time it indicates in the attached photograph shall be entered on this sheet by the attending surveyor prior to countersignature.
8:37
